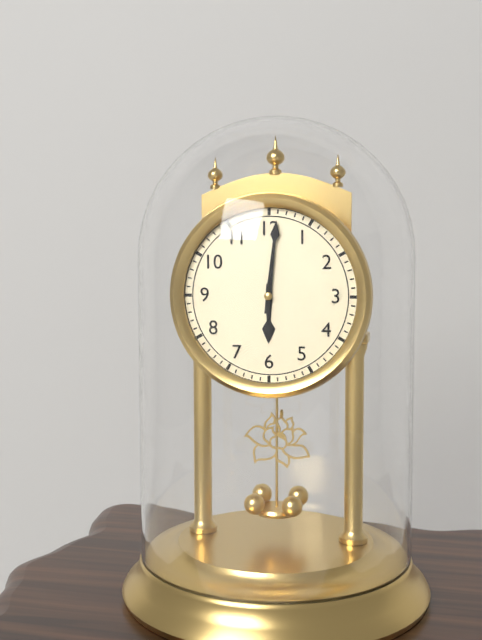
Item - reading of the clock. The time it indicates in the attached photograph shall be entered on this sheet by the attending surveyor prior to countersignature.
6:01
